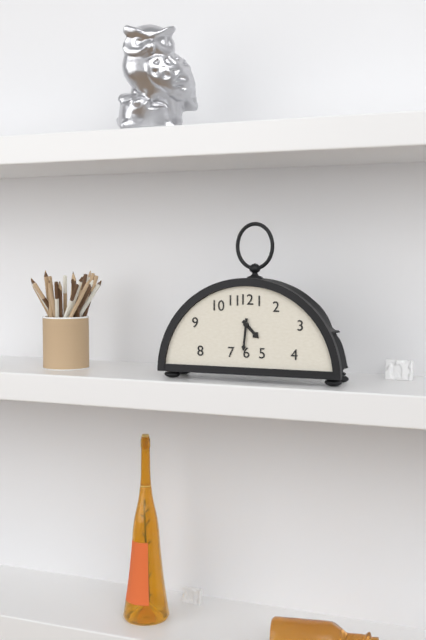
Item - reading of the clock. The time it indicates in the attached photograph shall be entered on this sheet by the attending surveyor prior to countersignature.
4:31
